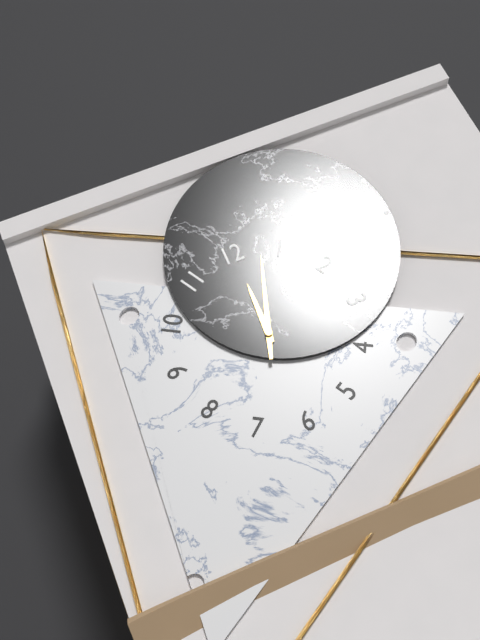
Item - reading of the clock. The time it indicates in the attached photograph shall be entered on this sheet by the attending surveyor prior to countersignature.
12:03
